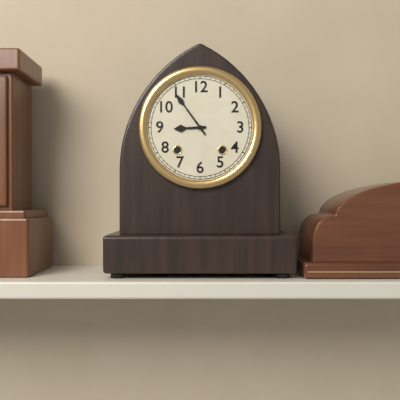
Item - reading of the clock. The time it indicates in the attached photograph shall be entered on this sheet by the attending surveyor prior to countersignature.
8:54
